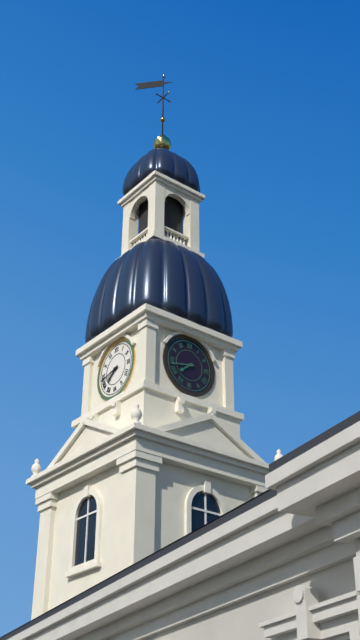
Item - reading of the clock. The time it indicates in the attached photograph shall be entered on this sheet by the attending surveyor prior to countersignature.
7:43
